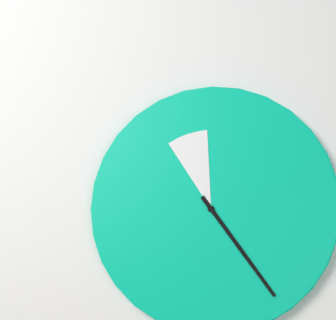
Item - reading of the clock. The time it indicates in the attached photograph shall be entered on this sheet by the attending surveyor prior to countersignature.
11:24
